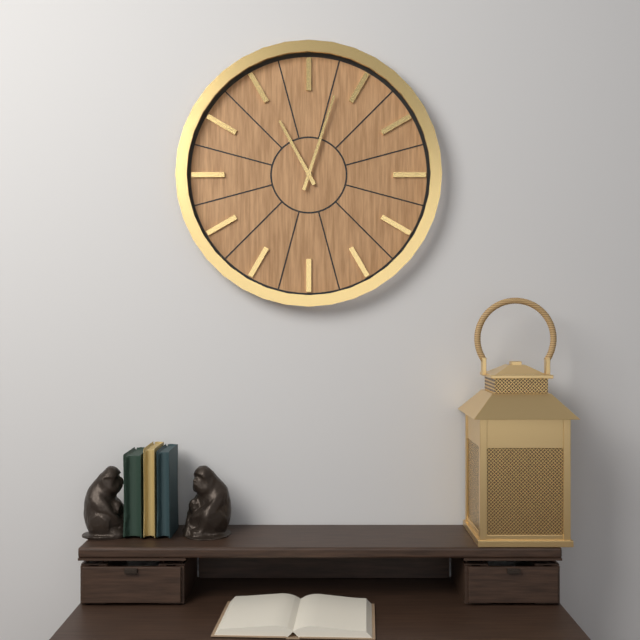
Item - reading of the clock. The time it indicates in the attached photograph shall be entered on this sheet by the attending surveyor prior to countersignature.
11:03
